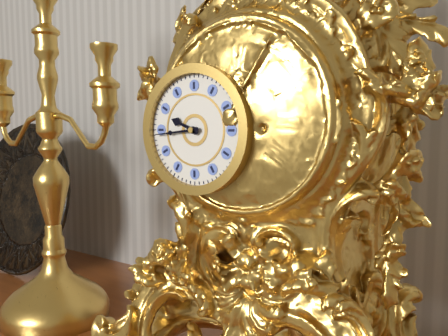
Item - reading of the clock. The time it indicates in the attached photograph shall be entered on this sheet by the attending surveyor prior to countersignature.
9:44
